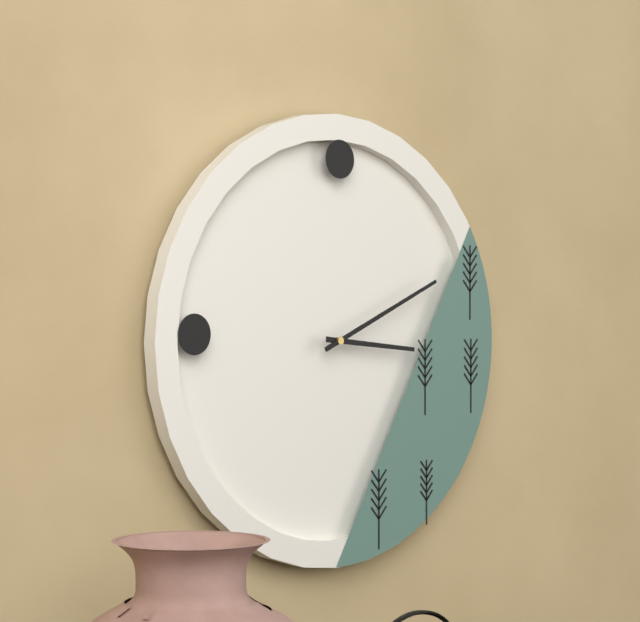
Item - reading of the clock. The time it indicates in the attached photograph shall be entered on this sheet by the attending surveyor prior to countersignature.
3:11
